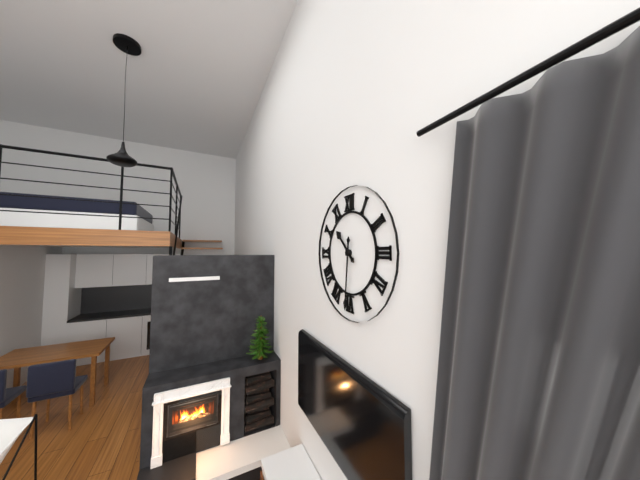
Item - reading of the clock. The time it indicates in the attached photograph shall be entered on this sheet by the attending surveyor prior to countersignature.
10:31
